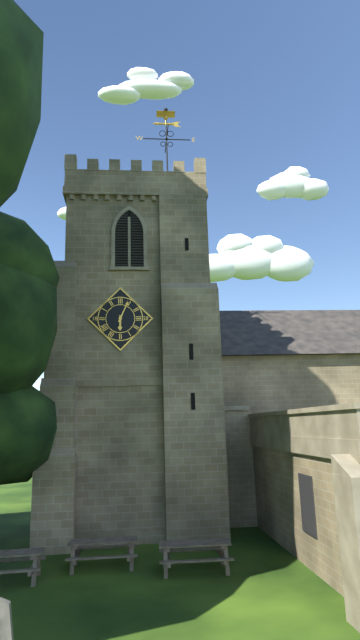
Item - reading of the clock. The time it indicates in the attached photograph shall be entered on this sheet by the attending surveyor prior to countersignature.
6:04
